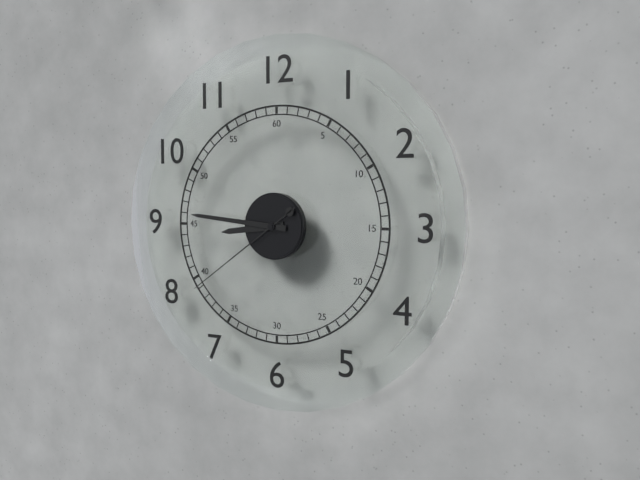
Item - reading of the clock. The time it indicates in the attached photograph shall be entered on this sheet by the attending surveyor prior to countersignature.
8:46:39
